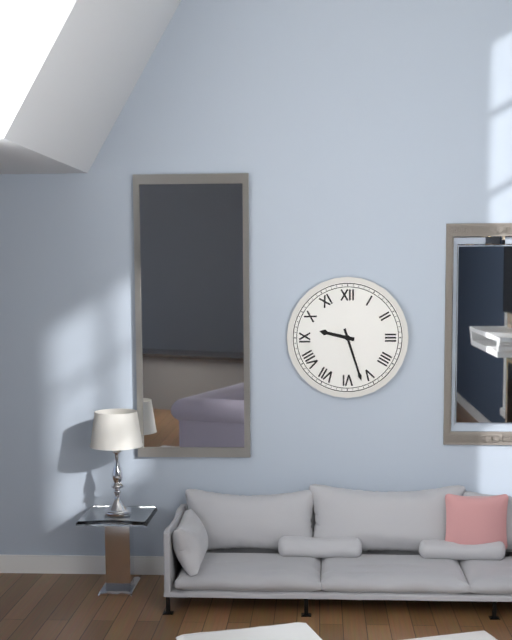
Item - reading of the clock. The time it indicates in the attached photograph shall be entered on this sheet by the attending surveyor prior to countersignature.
9:27
